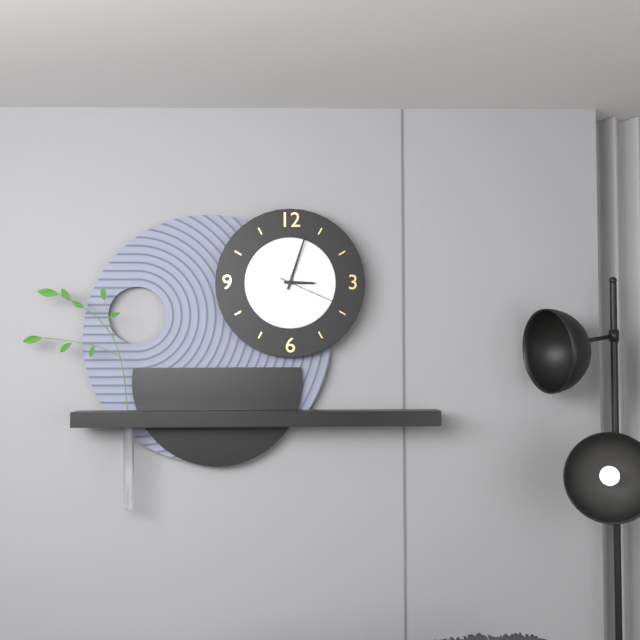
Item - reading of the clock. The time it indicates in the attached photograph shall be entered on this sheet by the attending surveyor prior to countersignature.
3:03:19
